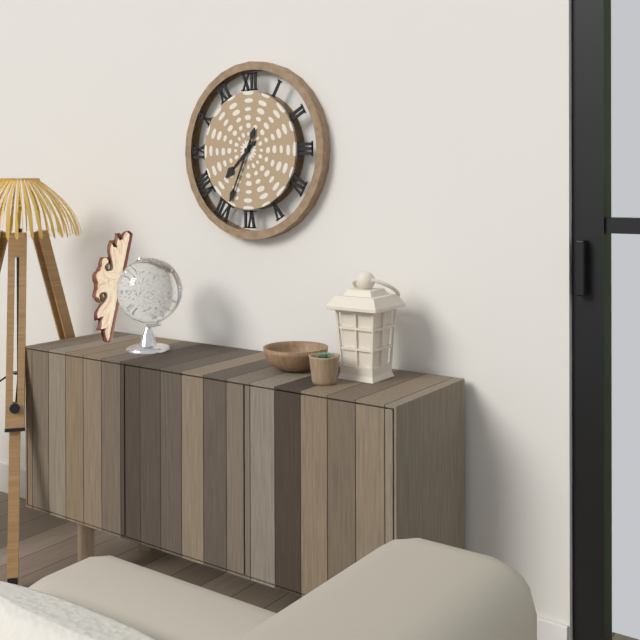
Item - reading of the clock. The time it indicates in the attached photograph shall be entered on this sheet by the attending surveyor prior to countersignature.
7:34
